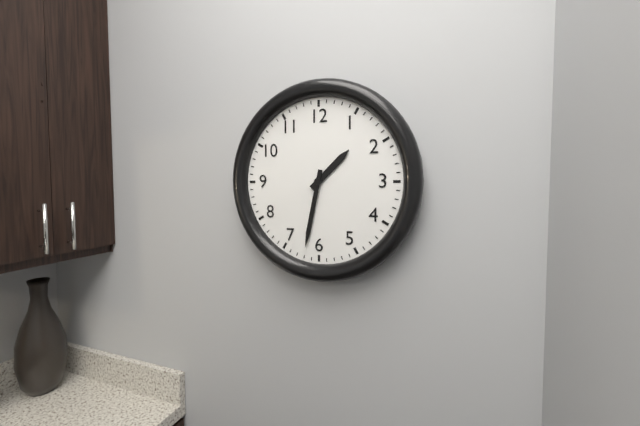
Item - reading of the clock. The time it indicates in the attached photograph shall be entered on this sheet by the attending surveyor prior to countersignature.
1:32
